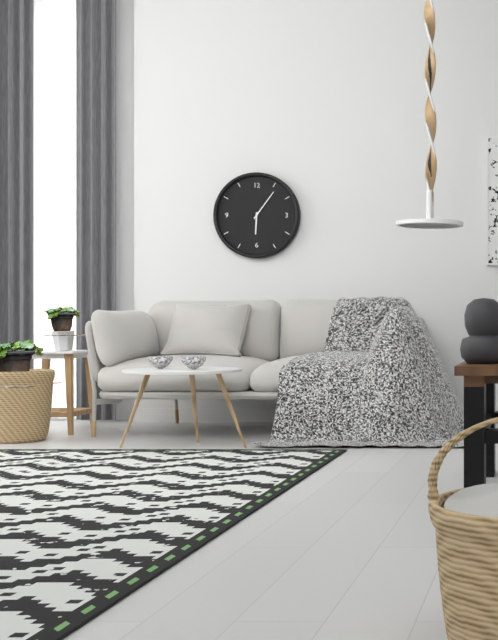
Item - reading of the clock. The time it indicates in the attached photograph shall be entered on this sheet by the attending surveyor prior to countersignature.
6:06
